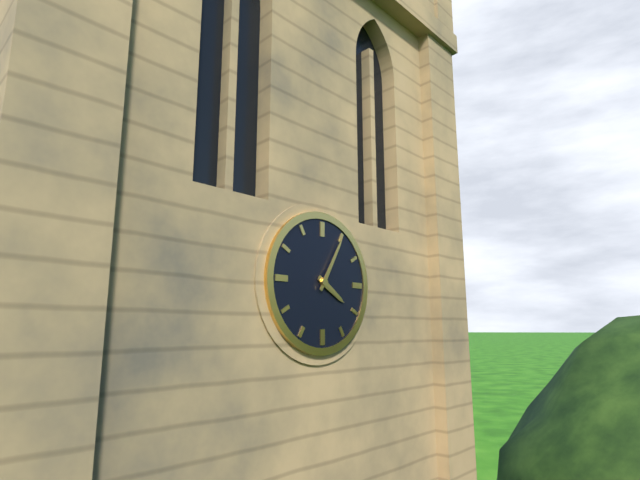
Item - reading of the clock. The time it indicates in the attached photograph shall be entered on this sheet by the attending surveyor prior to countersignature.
4:05
